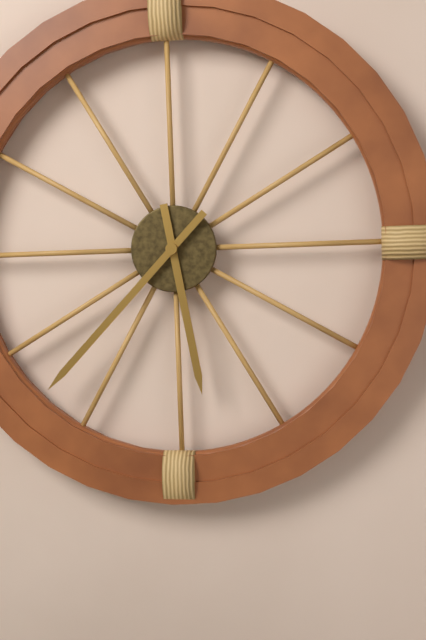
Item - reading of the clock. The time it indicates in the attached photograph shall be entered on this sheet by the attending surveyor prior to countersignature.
5:37
